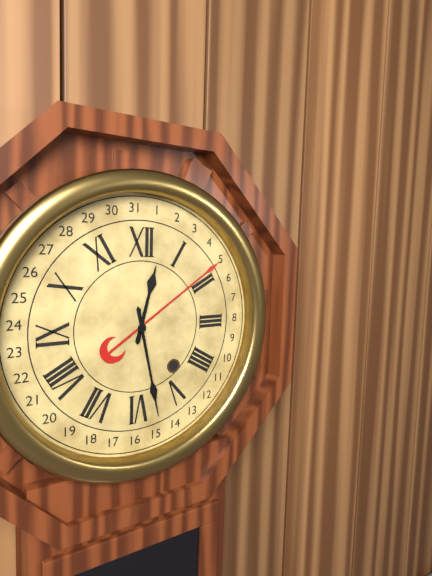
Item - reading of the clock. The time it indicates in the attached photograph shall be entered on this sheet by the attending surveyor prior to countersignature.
12:28
